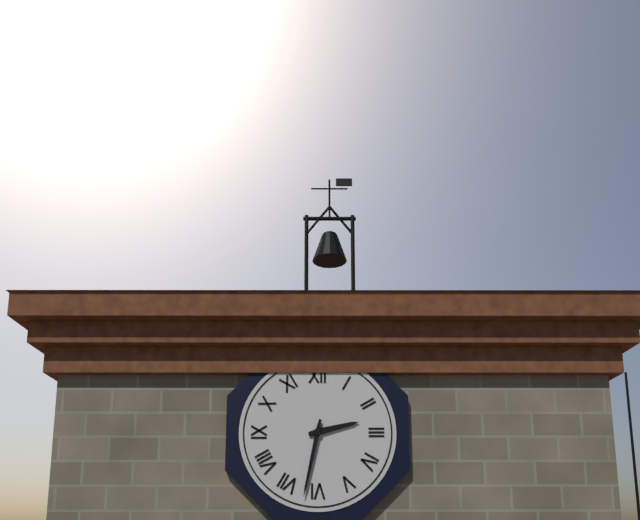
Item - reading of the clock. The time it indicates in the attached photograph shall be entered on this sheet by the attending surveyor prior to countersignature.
2:32
